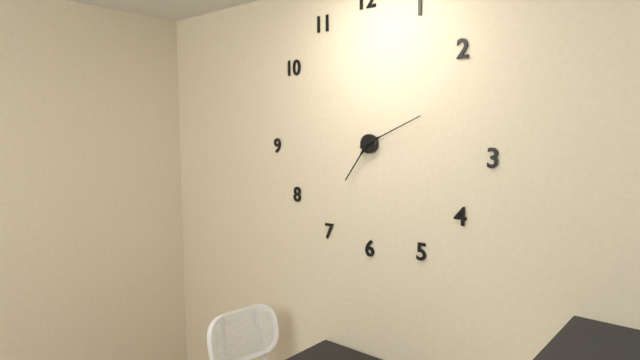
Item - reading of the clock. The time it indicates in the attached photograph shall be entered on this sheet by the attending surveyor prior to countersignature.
7:11
